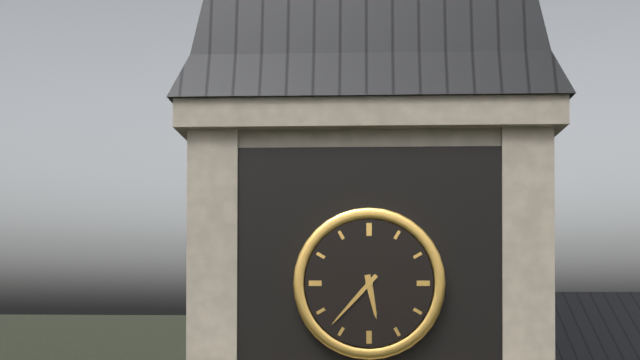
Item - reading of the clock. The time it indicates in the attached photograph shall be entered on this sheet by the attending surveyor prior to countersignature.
5:37
